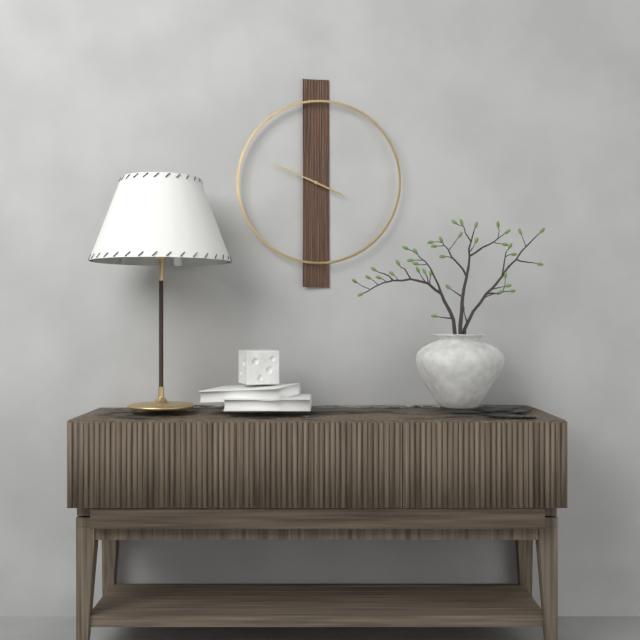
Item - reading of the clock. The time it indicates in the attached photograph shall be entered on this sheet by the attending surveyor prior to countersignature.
3:49
